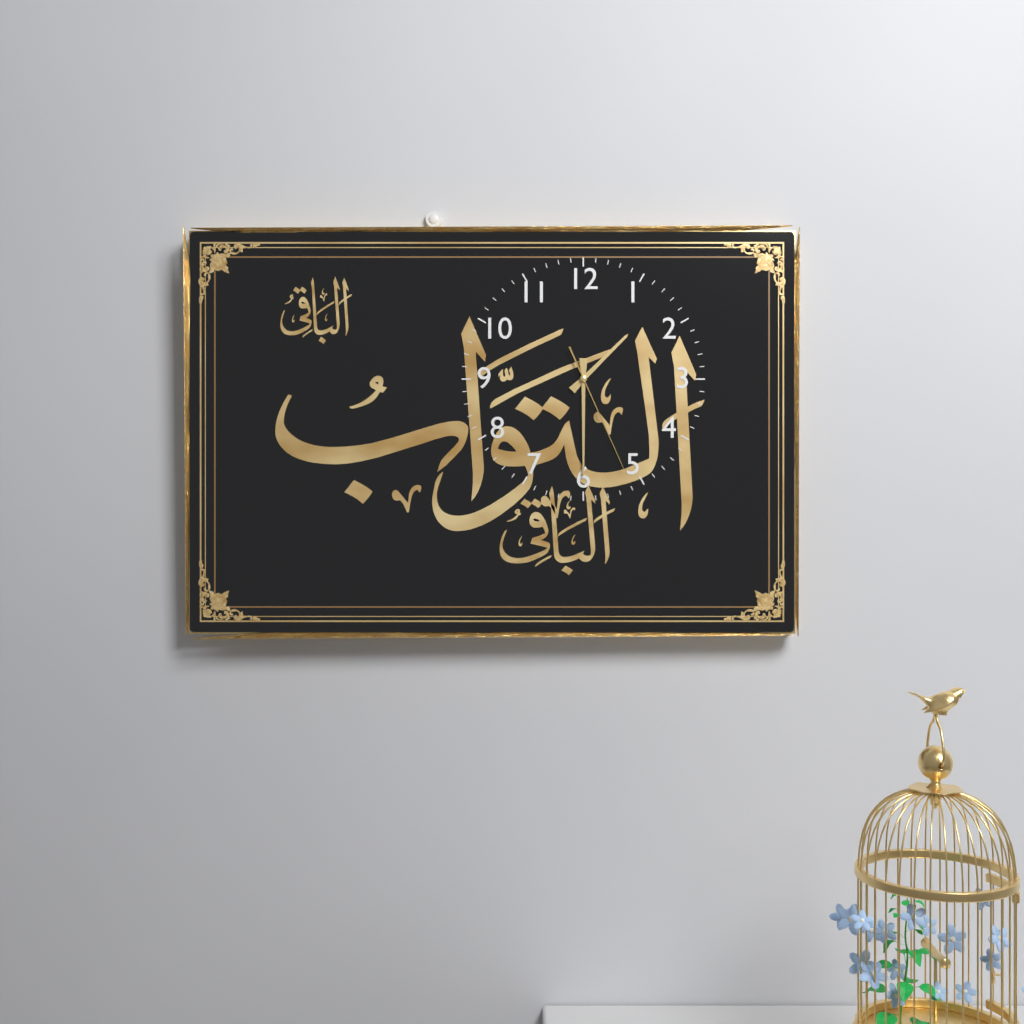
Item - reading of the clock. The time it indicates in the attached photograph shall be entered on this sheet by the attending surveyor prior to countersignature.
1:30:26
